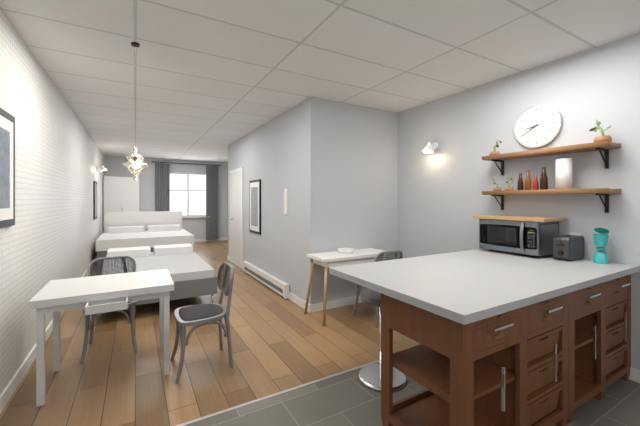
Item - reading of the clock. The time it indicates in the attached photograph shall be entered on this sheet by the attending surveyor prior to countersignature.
8:40
